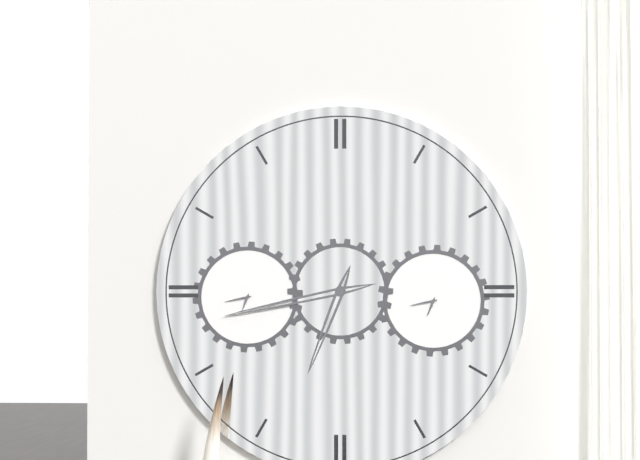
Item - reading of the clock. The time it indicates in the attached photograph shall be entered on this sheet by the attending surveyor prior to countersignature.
6:43
